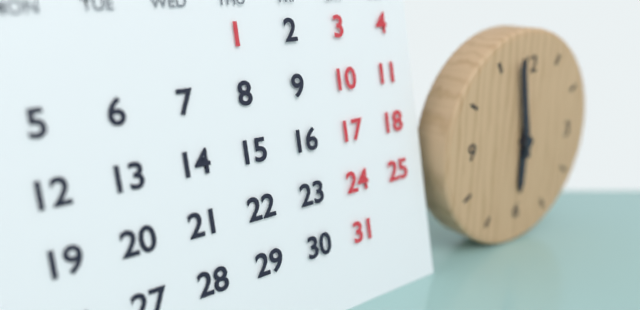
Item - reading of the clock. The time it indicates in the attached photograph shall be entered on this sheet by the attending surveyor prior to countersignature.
5:58
